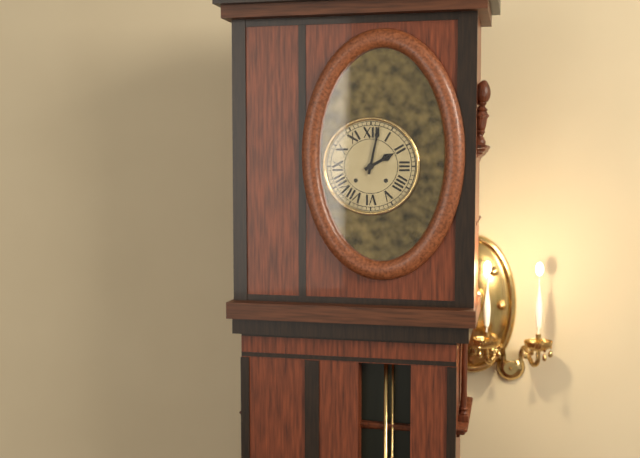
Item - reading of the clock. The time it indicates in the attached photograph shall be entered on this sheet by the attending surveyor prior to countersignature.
2:02
